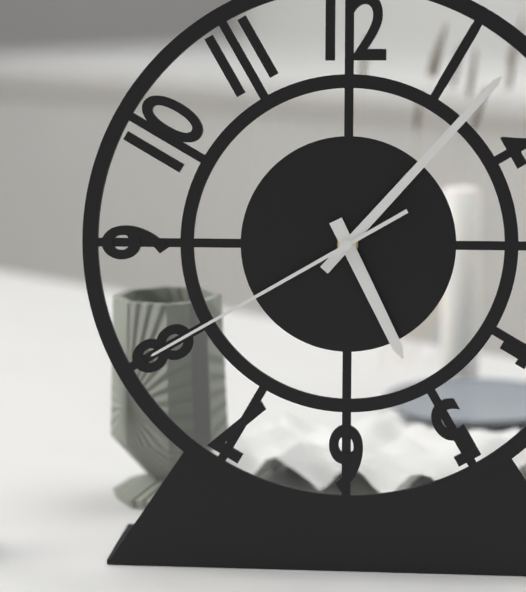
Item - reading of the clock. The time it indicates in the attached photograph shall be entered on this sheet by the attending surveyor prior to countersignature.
5:07:40
